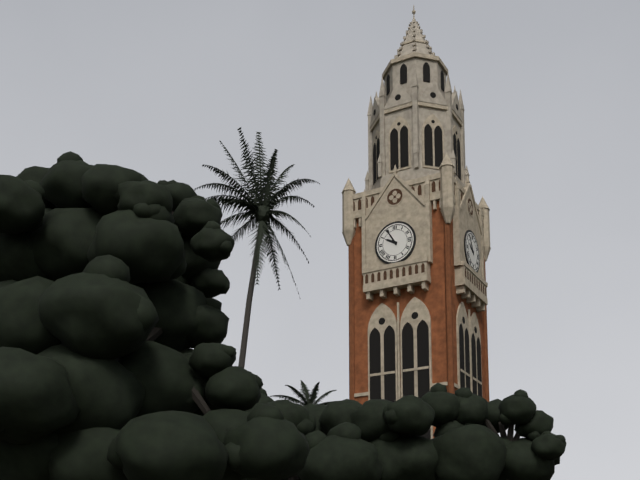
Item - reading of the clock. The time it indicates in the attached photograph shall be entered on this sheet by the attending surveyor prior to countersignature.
9:55
